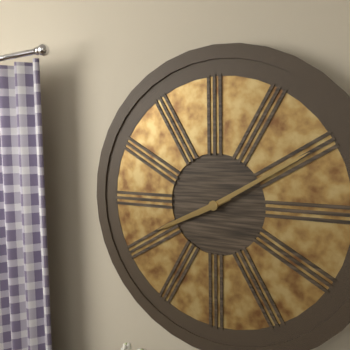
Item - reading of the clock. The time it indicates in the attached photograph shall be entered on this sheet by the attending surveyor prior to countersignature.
8:10
